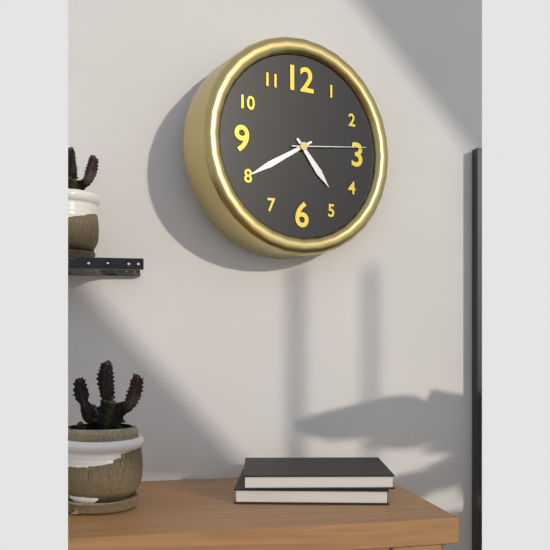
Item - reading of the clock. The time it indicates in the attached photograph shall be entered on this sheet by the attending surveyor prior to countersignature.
4:40:14
